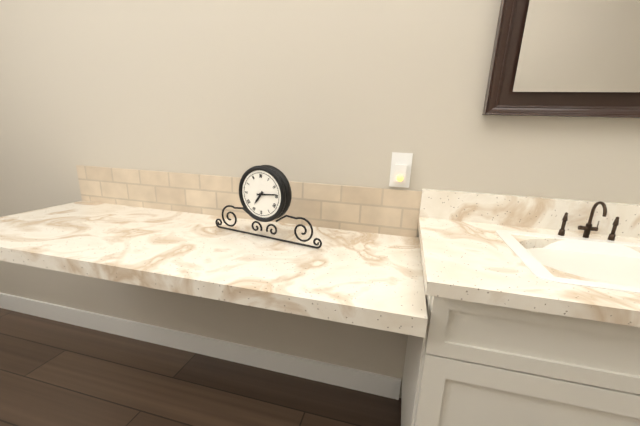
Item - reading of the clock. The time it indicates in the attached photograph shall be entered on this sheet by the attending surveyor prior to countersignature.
7:14
